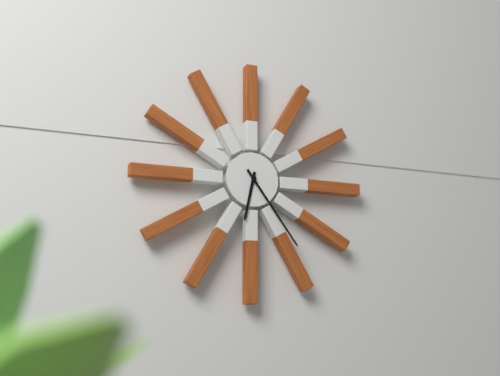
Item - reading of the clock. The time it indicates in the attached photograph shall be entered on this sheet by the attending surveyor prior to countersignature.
6:24
